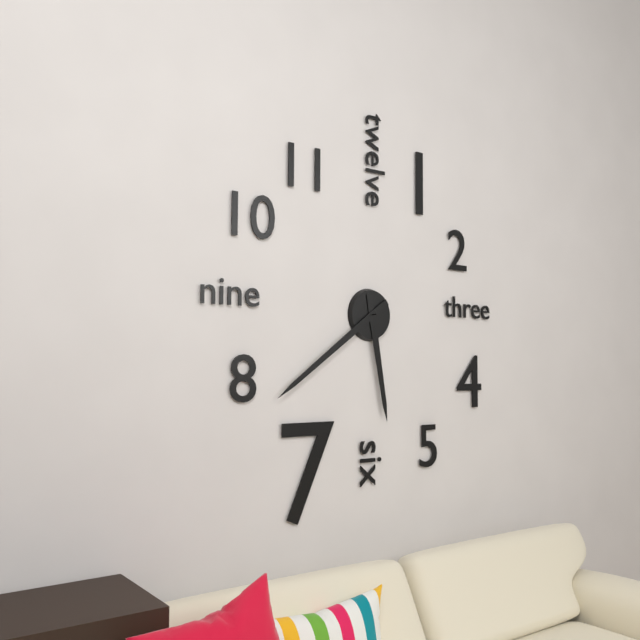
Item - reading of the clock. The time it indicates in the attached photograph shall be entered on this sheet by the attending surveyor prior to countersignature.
5:39
